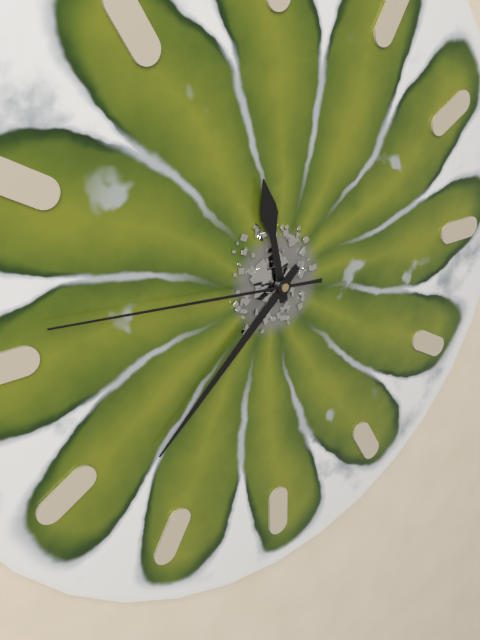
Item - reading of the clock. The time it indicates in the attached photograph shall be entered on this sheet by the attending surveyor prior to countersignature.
11:38:46
